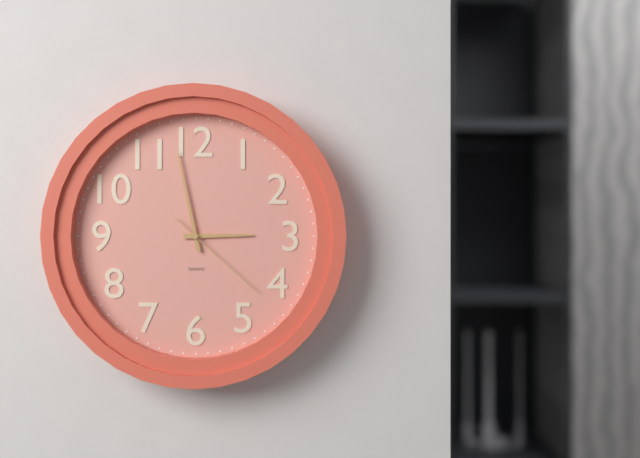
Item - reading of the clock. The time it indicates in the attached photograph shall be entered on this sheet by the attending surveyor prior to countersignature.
2:58:22
